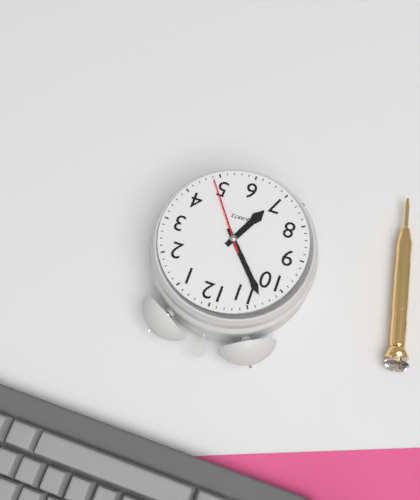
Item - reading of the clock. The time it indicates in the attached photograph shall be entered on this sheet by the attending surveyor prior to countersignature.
6:53:24
